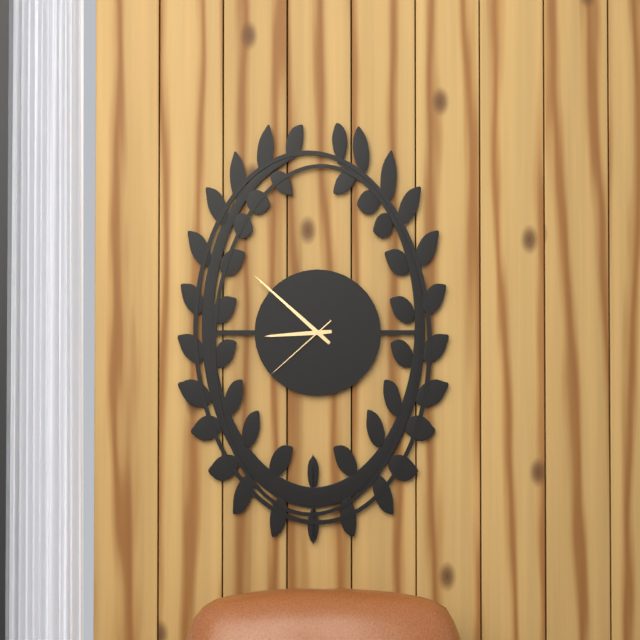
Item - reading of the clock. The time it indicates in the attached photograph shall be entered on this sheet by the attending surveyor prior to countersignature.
8:52:38
